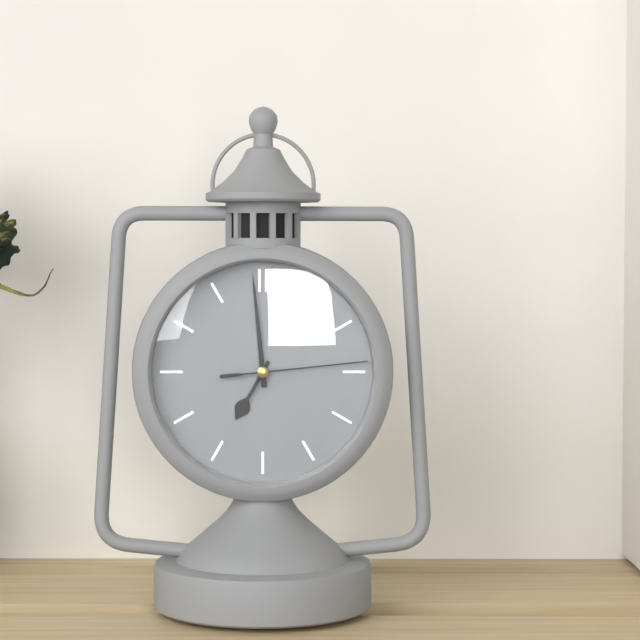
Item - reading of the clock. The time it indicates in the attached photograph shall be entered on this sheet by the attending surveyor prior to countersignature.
6:59:14
